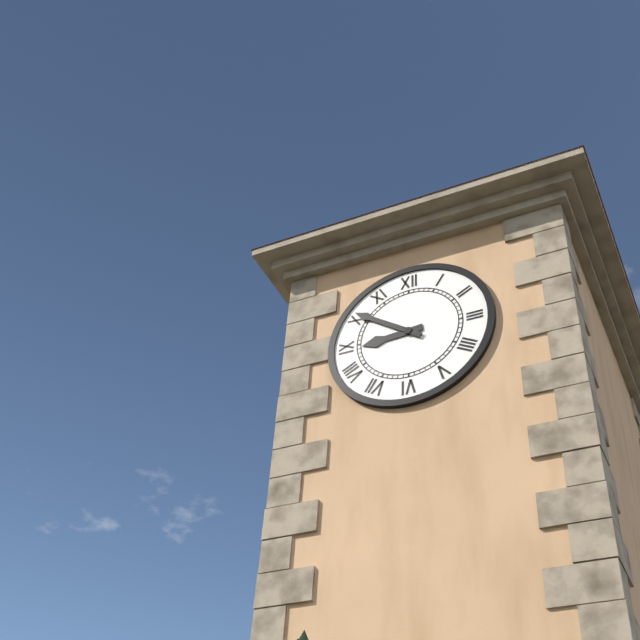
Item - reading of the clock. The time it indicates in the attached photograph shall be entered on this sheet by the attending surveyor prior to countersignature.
8:51
